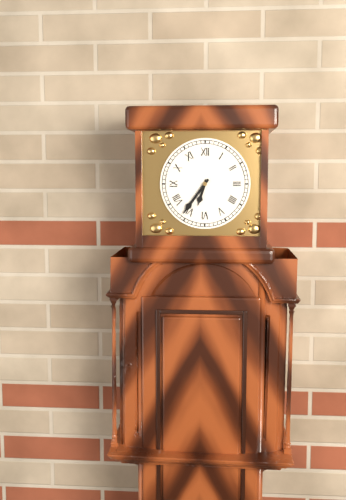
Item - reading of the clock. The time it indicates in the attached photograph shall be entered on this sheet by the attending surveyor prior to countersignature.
6:36
